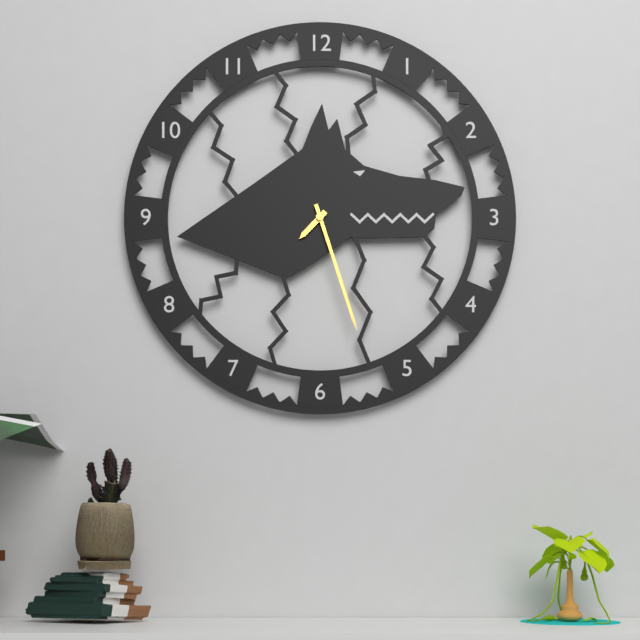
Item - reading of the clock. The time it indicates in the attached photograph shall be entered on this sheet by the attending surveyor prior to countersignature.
7:27
